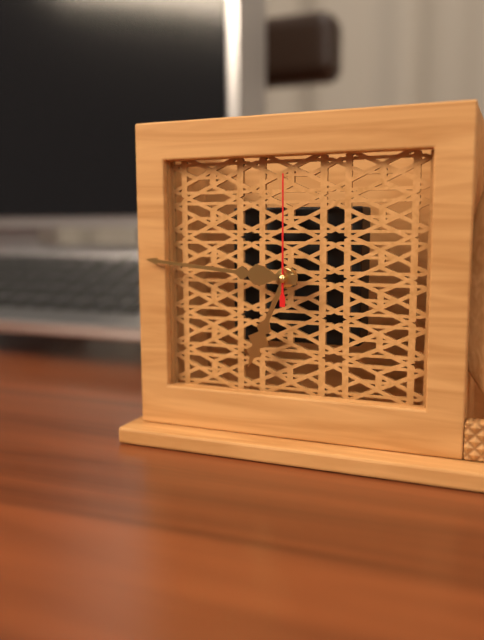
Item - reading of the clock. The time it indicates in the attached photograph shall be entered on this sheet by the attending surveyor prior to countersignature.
6:46:00
